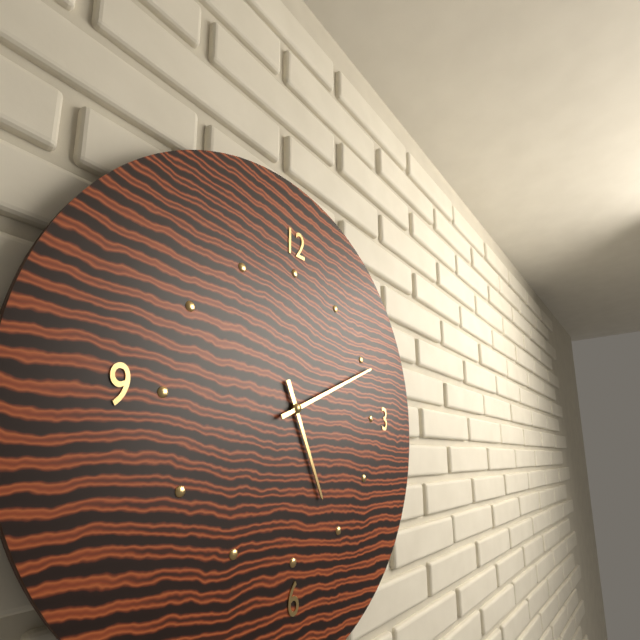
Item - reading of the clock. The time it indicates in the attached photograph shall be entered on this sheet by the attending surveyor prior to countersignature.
5:11
